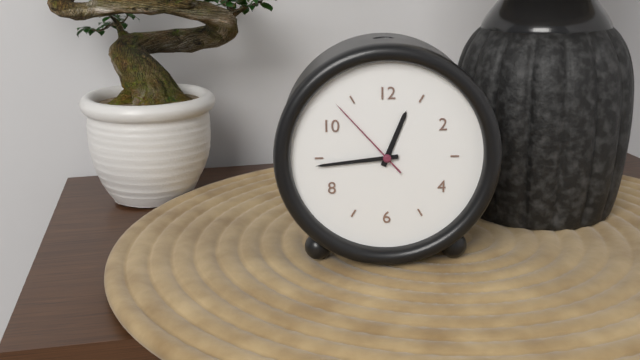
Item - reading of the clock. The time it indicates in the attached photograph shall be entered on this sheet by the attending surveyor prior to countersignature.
12:44:53
